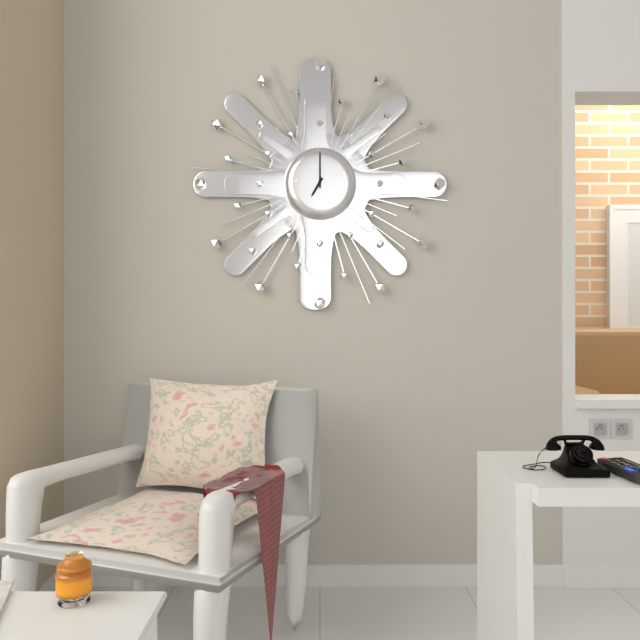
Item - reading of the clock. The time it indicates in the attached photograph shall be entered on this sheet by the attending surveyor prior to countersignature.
7:00
